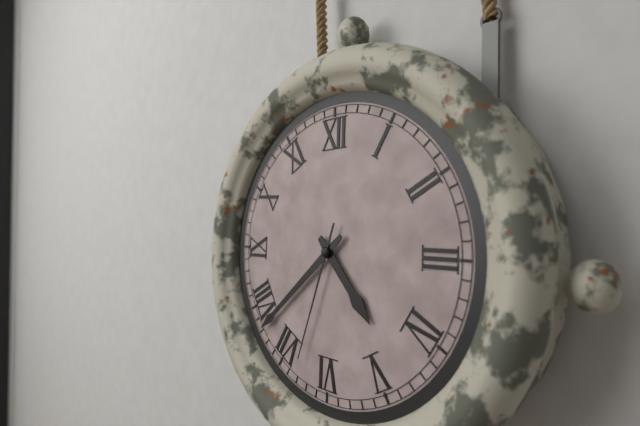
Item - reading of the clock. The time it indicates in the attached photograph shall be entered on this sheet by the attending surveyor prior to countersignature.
4:38:33
